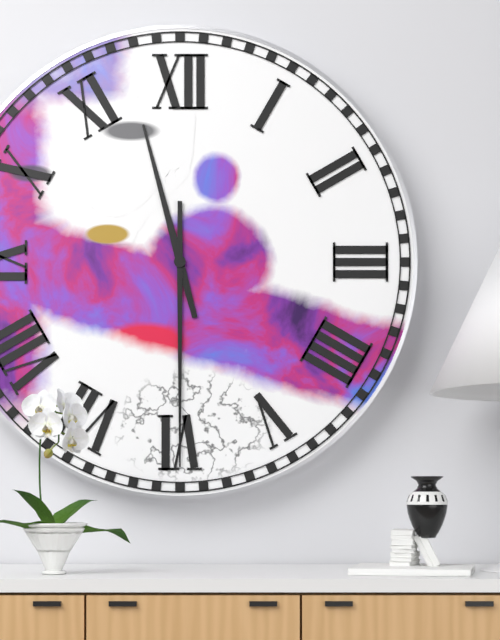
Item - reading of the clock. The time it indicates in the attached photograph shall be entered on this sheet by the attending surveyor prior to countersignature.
11:30
